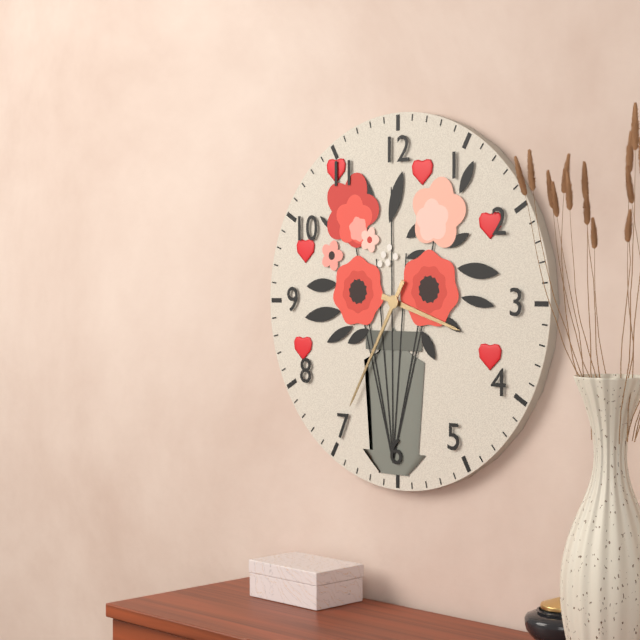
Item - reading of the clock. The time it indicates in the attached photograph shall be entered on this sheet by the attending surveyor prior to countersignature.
3:35
